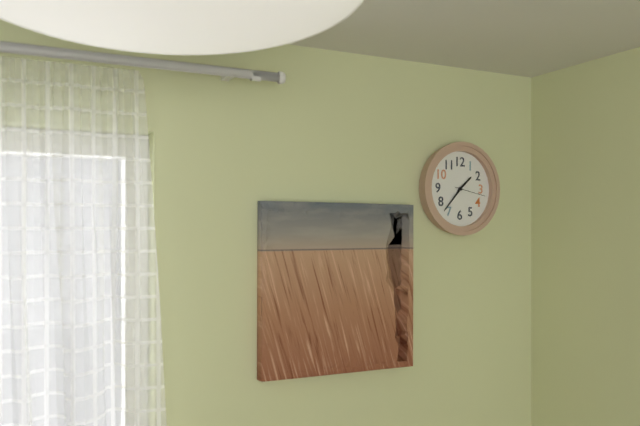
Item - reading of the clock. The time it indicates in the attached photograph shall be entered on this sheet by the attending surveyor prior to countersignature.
1:37
